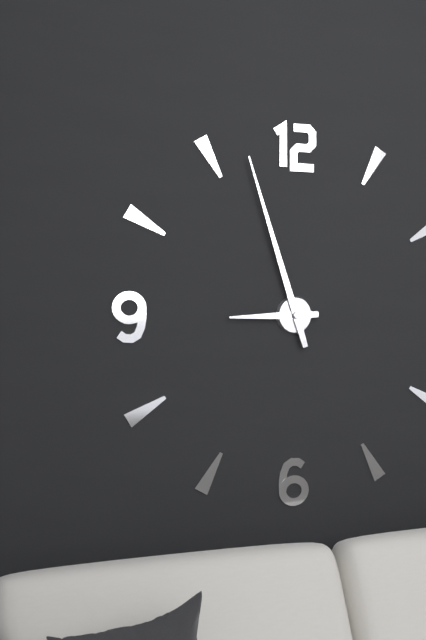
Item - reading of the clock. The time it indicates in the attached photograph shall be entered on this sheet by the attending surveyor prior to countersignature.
8:57
